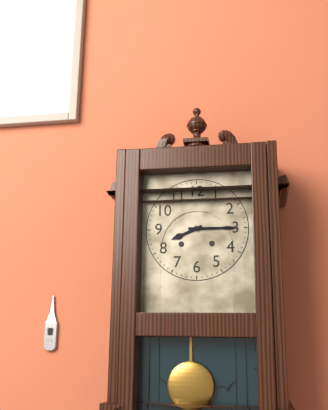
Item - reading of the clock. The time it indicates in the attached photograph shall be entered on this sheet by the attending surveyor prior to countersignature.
8:15
